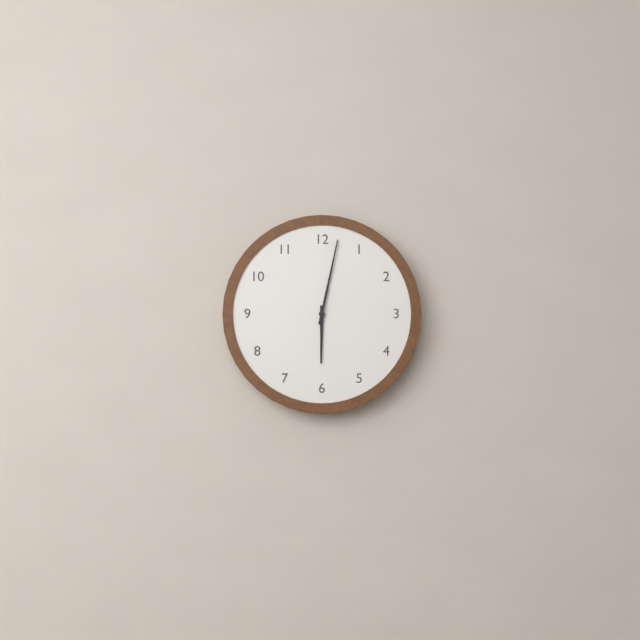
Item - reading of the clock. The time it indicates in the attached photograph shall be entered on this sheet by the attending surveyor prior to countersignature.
6:02
